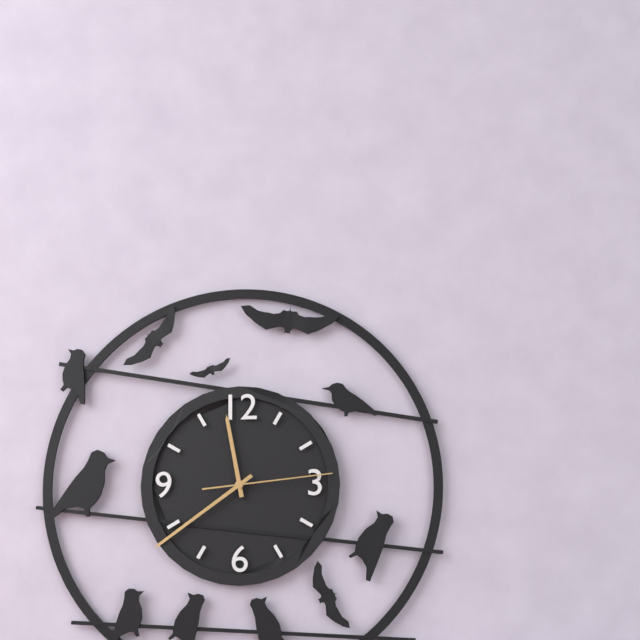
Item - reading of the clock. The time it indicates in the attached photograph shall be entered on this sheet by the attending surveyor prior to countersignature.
11:39:14
